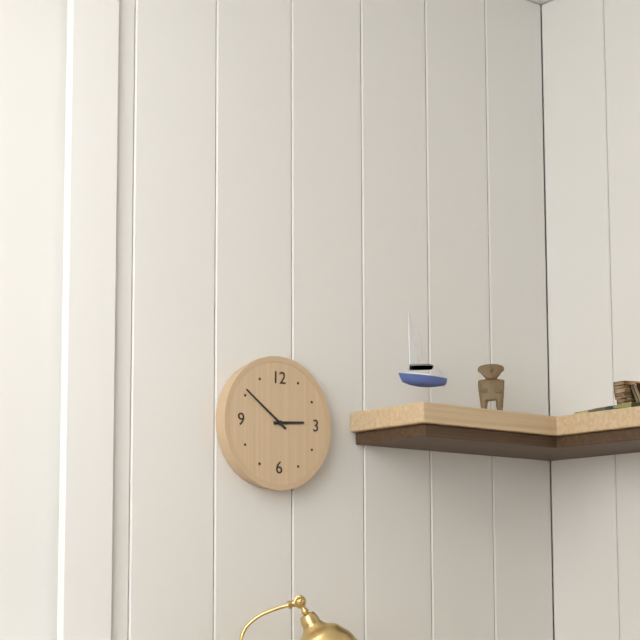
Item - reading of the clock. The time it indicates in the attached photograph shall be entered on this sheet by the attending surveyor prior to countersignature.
2:51
